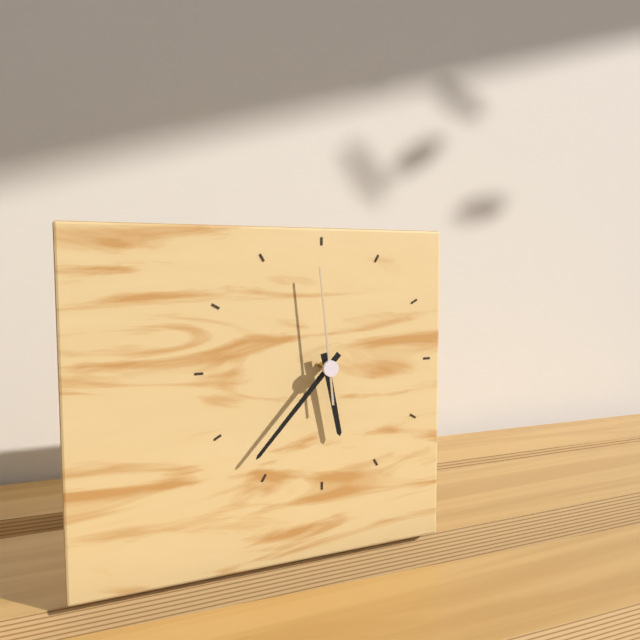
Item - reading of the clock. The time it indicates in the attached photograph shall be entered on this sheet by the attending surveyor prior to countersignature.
5:37:59
